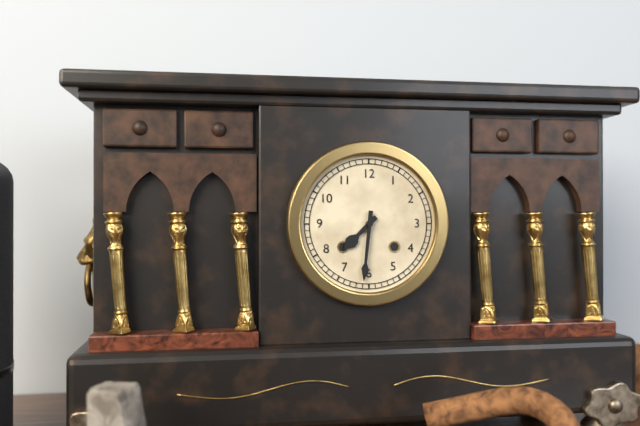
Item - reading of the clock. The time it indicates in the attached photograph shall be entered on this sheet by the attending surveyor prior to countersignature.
7:31
